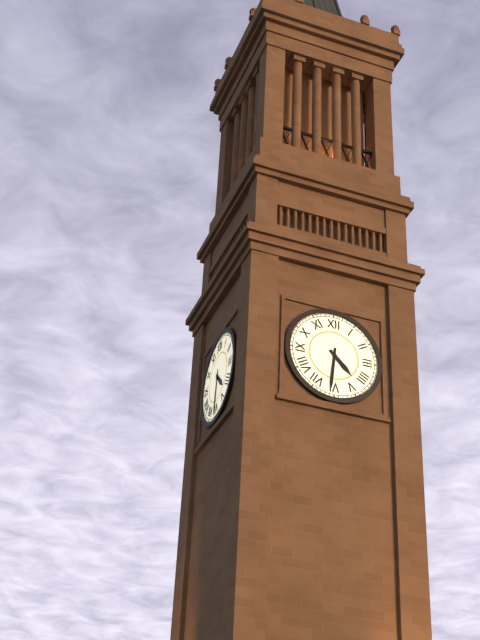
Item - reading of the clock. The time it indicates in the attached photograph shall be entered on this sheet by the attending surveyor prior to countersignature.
4:31
